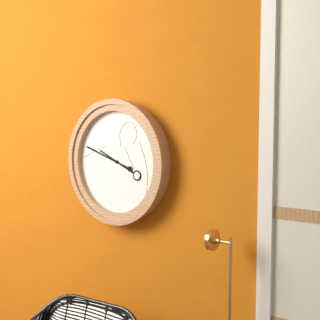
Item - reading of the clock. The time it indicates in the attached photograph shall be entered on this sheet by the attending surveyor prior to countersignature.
9:48
